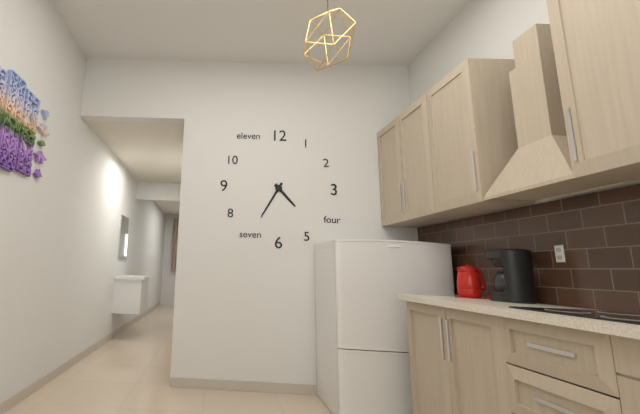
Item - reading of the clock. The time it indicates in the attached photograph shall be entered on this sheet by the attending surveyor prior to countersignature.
4:35
